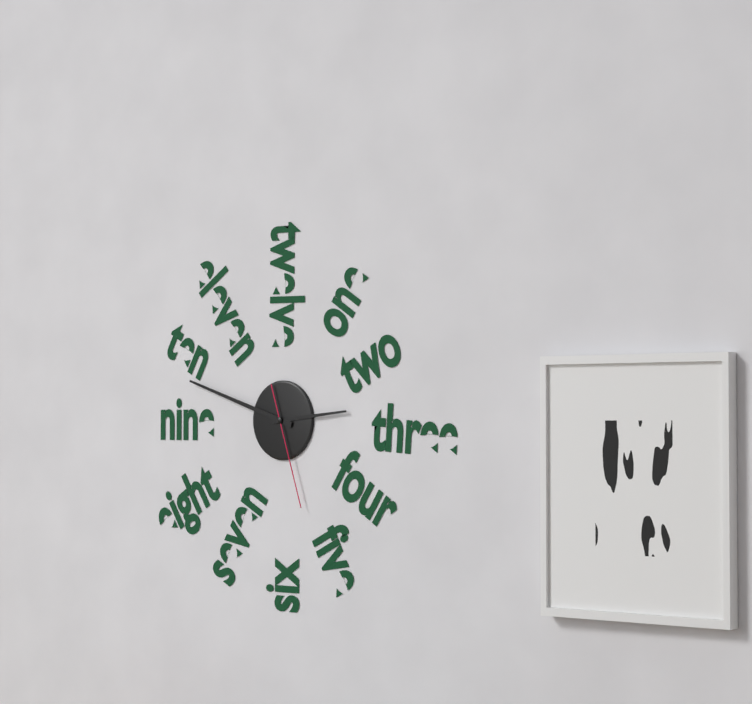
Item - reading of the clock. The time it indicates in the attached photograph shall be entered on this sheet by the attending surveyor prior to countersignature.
2:48:27
